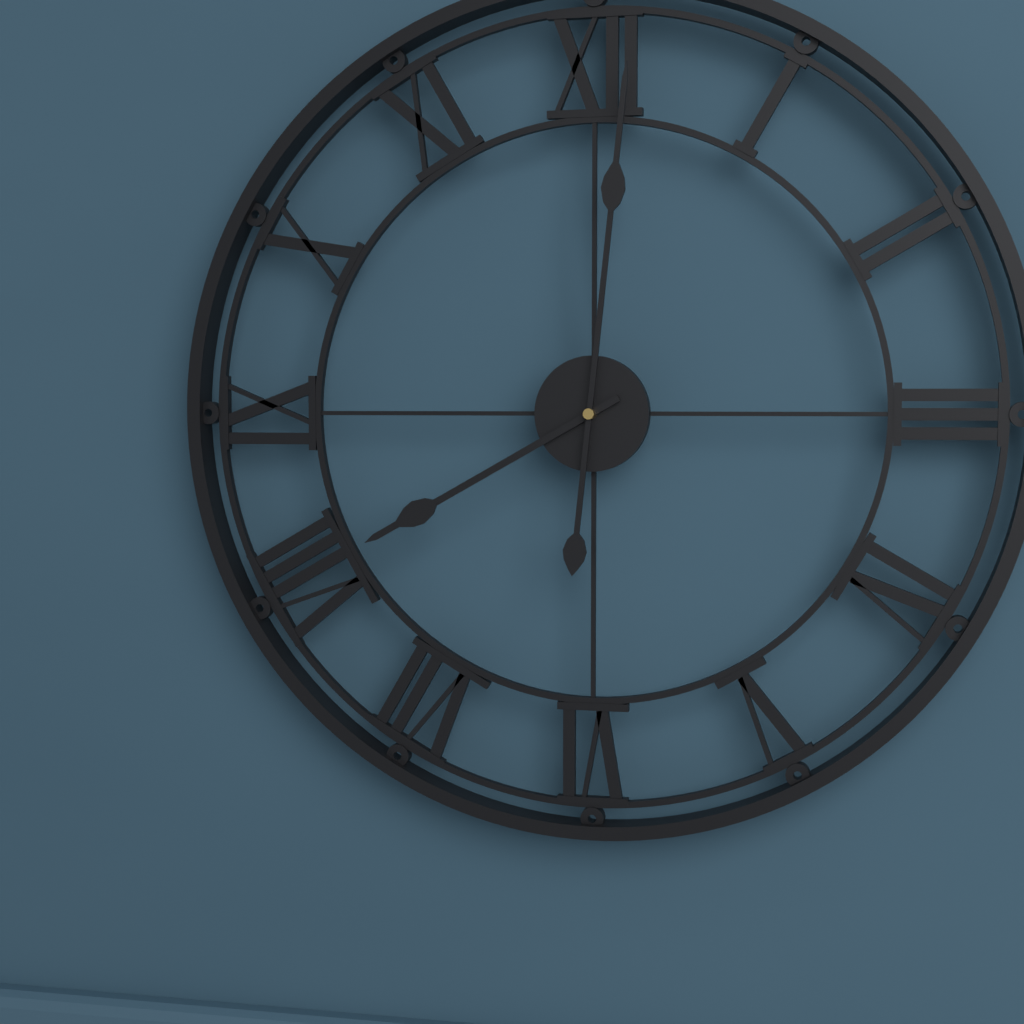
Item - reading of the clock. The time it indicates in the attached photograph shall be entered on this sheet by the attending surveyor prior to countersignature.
8:01
